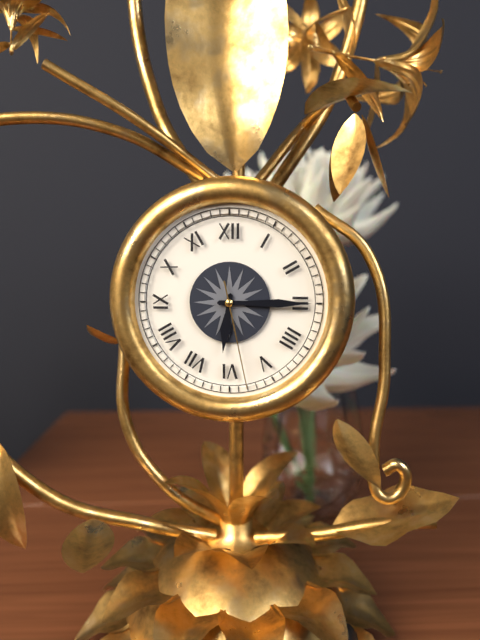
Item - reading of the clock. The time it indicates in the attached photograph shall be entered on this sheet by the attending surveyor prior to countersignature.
6:15:28
